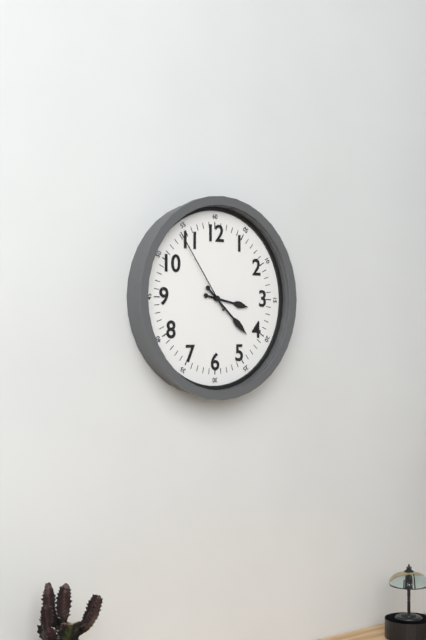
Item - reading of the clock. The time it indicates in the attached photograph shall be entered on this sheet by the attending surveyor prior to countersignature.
3:22:54
